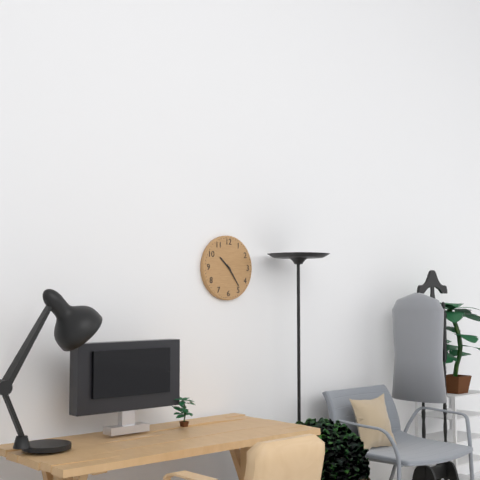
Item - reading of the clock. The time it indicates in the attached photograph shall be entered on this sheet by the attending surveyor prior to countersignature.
10:24
